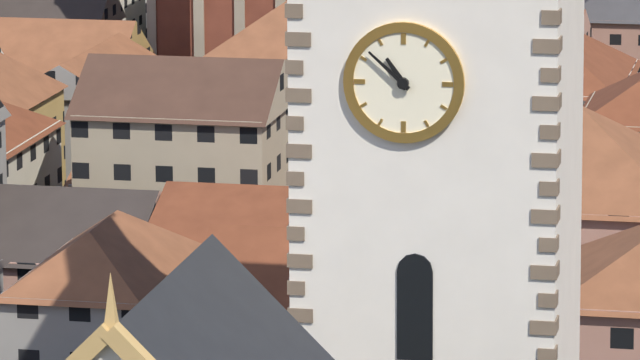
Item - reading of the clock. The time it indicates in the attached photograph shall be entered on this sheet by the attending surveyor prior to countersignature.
10:52
